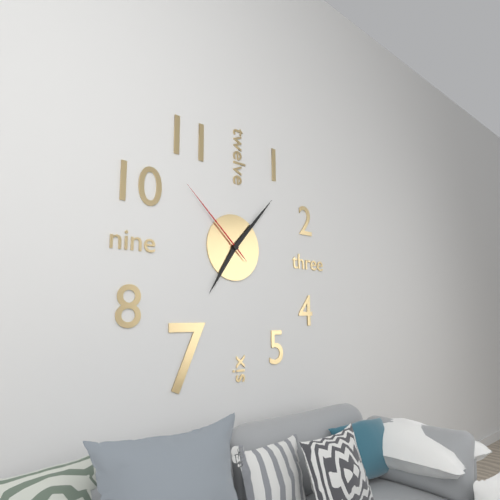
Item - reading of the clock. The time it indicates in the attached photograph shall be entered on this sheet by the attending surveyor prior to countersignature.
7:07:52
